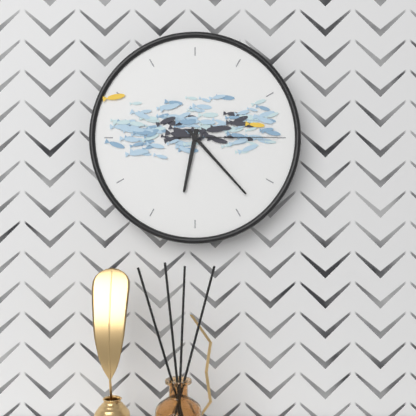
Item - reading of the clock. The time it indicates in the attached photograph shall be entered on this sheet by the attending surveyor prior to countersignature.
6:23:15
